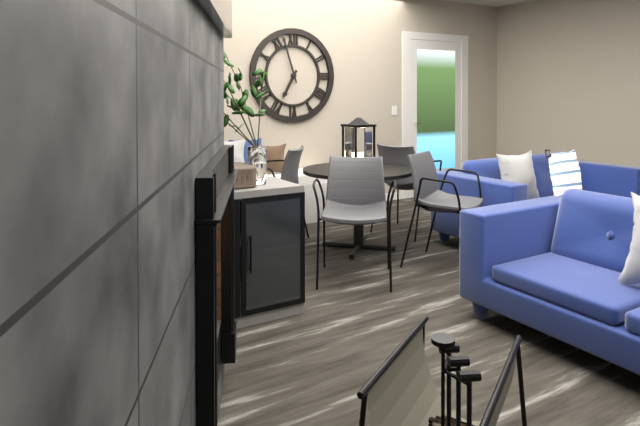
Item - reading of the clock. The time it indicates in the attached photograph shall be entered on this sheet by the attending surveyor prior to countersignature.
6:57
